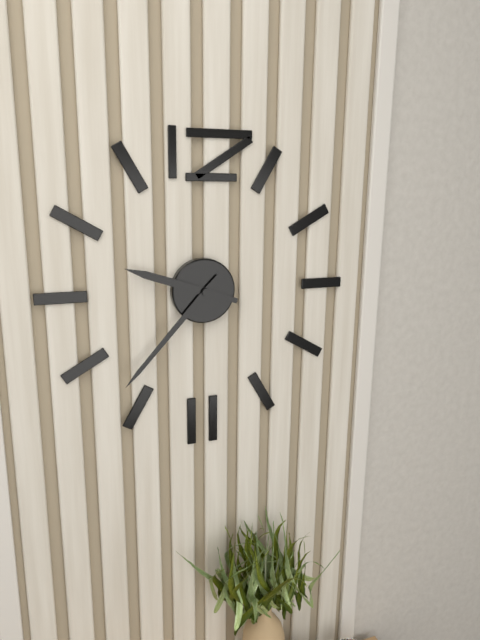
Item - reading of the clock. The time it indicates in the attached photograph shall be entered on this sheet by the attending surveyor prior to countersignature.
9:37
